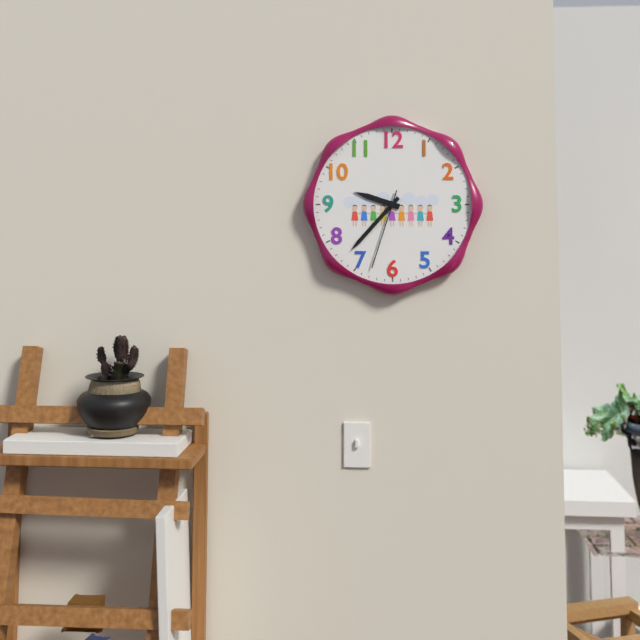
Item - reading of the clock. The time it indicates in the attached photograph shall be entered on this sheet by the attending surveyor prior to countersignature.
9:37:33
